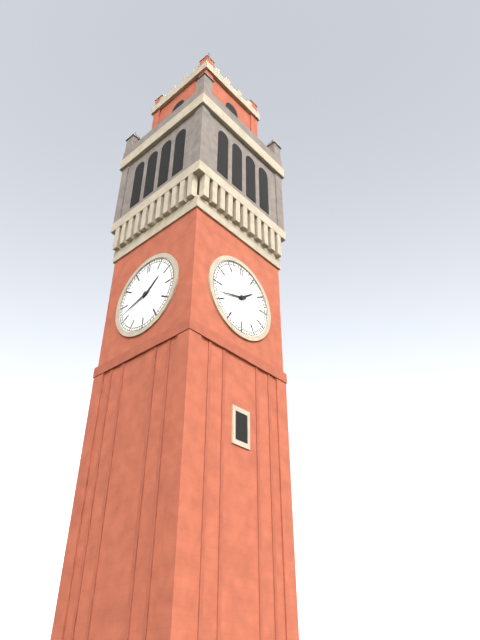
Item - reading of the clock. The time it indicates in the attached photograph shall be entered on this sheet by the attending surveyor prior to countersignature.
1:42
